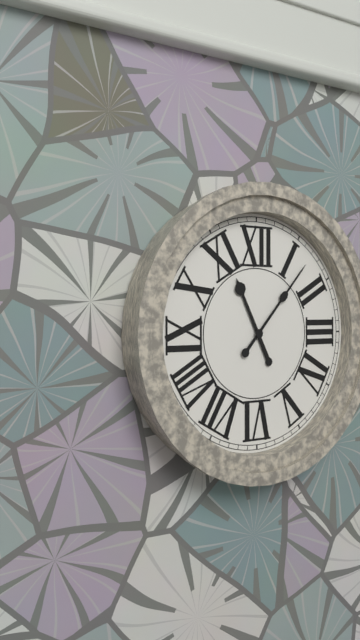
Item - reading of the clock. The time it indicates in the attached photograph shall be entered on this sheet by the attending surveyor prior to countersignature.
11:07
